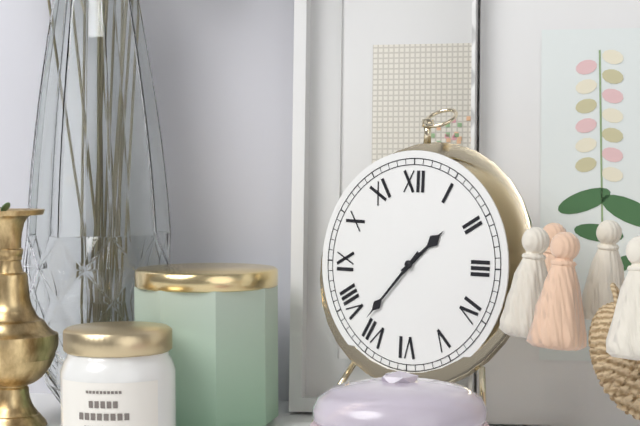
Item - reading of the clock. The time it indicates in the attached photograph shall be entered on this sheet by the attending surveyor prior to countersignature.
1:37
